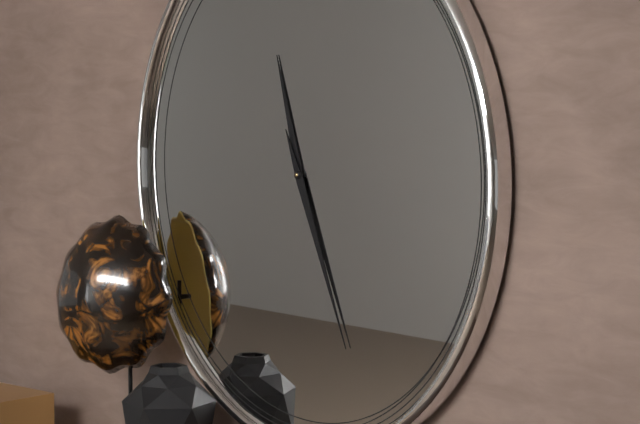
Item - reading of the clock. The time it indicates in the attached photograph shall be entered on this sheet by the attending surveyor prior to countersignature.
11:26
